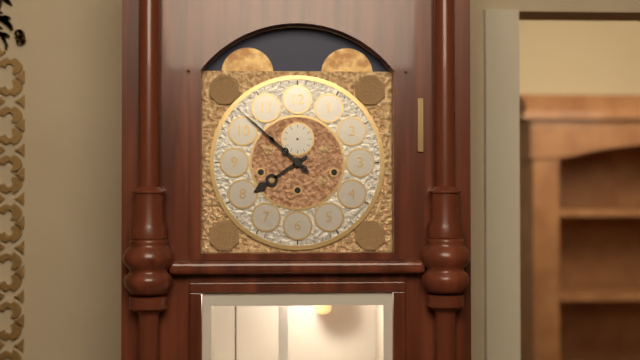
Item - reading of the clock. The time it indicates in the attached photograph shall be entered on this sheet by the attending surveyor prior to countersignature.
7:52
